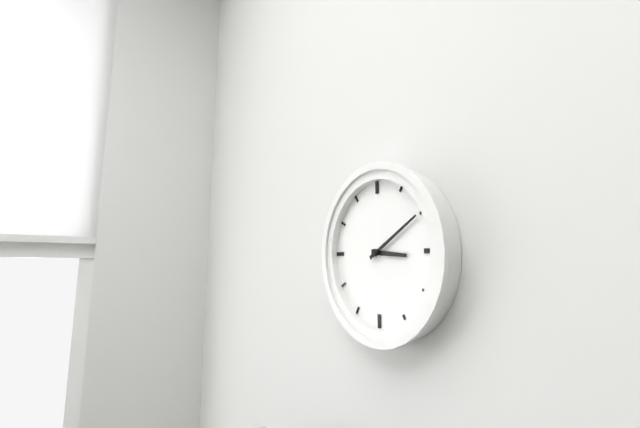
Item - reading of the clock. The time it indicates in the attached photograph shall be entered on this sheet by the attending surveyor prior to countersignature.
3:10
